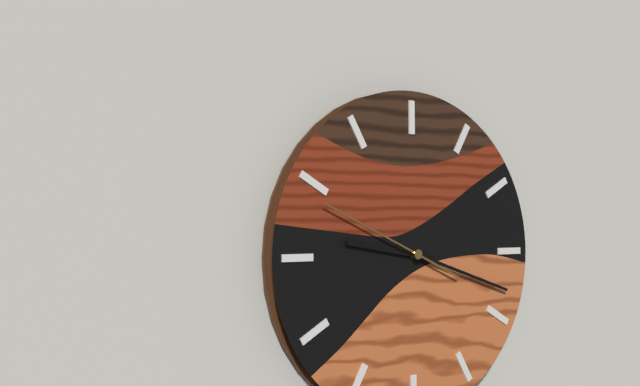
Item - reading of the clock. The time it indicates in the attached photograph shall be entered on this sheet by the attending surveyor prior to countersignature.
9:18:49
